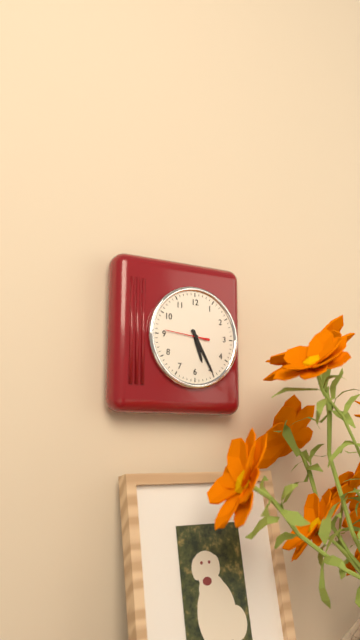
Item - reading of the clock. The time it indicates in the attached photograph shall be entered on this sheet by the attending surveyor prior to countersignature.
5:25
